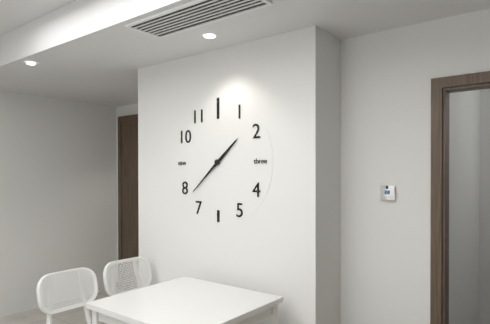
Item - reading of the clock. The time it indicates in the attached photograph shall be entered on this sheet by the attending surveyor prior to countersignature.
1:38
